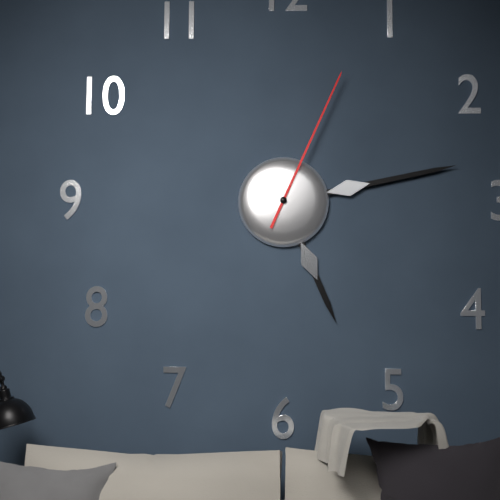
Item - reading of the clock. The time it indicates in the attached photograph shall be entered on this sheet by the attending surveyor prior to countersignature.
5:13:04
